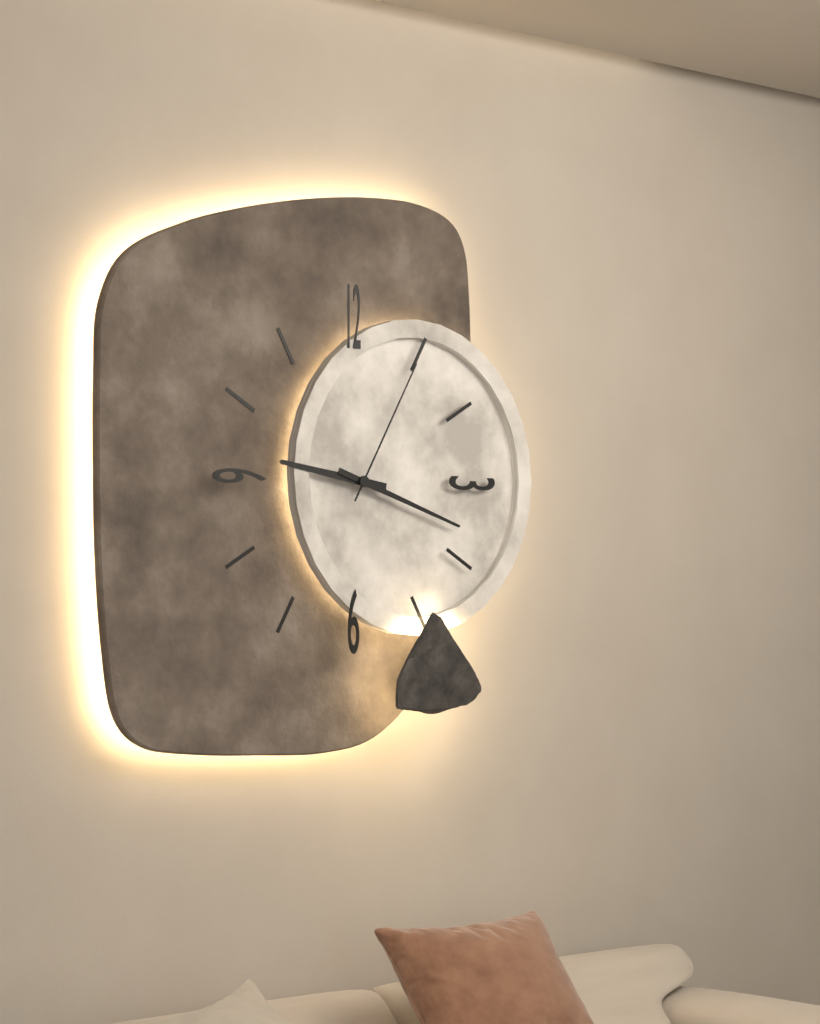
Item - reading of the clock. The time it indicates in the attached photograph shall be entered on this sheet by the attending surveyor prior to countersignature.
9:18:05
